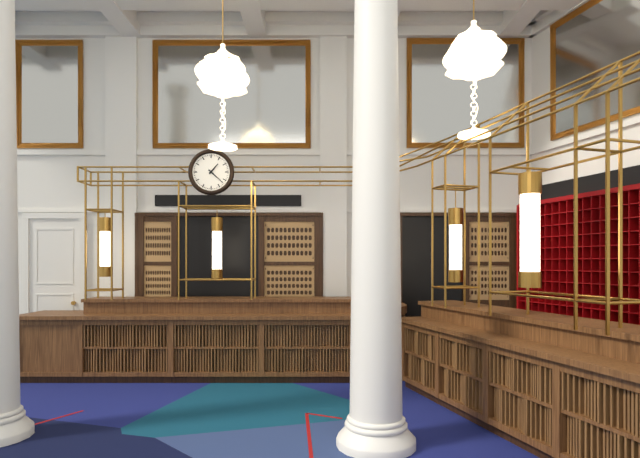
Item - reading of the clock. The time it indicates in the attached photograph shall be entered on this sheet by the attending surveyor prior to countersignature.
1:22
